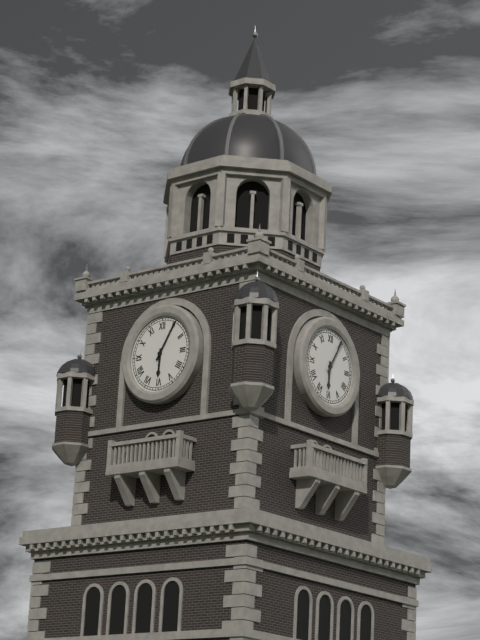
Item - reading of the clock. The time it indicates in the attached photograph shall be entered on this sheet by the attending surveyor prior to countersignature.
6:05
